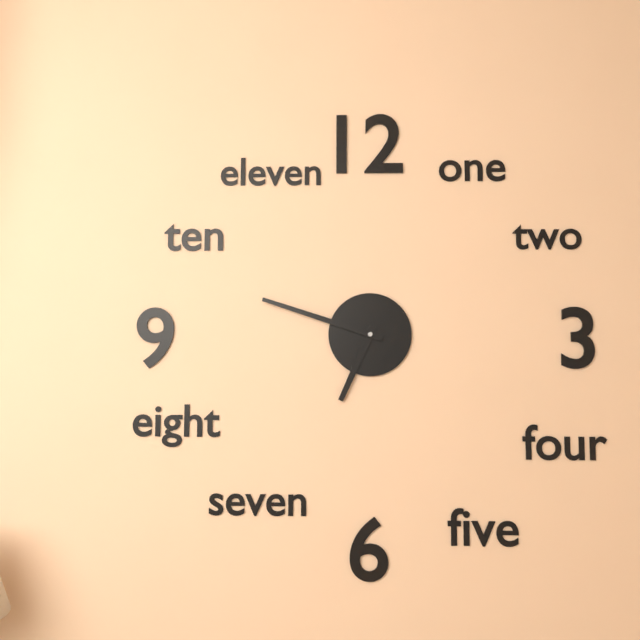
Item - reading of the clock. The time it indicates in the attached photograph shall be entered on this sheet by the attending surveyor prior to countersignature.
6:48
